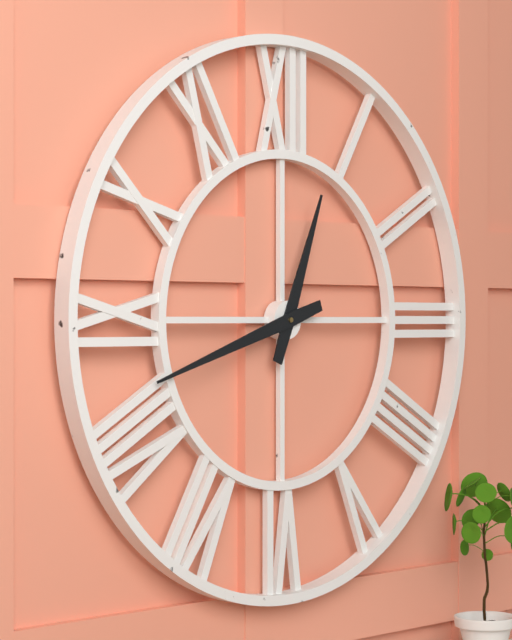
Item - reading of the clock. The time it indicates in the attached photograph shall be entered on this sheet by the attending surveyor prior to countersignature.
12:42
